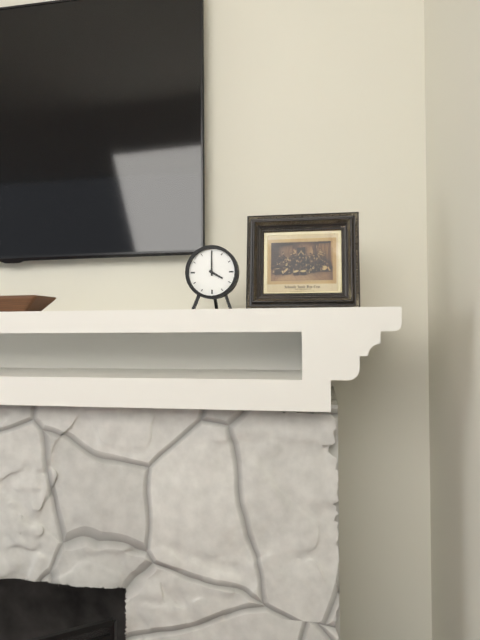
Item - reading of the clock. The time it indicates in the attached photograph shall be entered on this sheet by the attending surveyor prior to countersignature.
4:00
